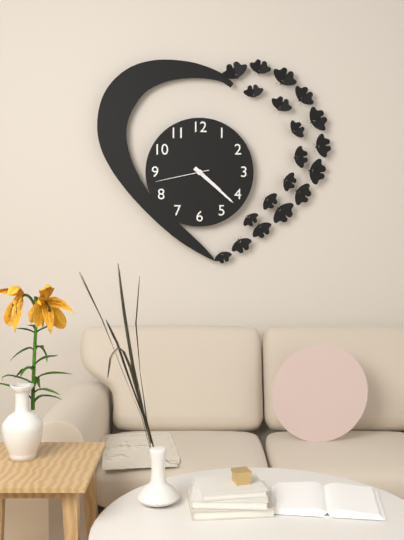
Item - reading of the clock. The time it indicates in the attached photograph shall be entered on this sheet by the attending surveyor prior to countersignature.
4:22:43
